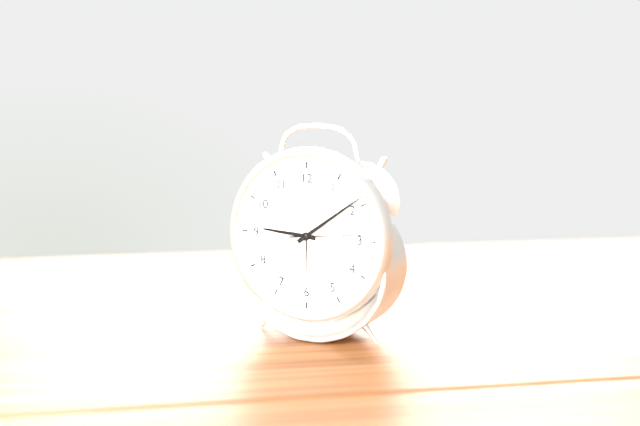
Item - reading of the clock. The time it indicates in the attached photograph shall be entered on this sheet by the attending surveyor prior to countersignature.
9:09:14
